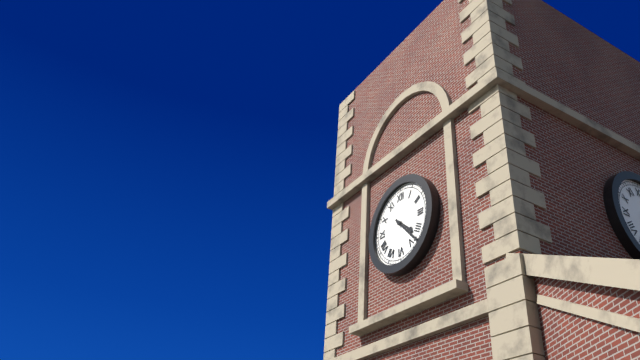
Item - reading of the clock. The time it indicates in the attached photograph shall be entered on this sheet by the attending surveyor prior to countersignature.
4:23
